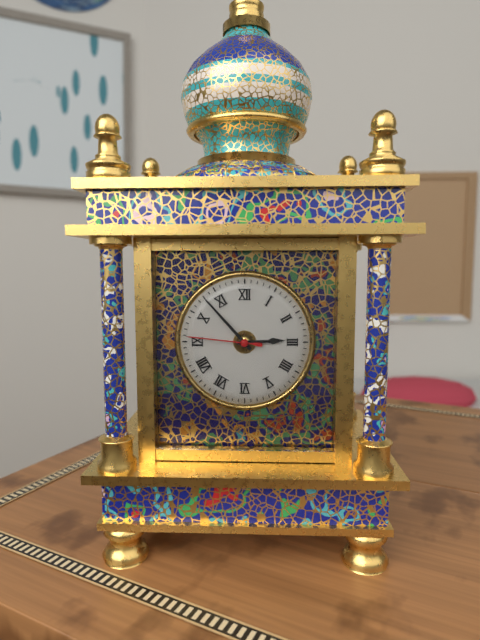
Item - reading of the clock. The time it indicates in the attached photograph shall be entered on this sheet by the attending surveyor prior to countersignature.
2:53:46
